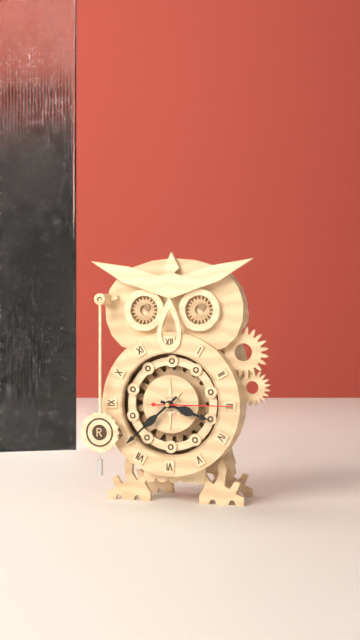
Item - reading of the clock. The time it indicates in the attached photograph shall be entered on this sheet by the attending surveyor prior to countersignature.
3:38:15
